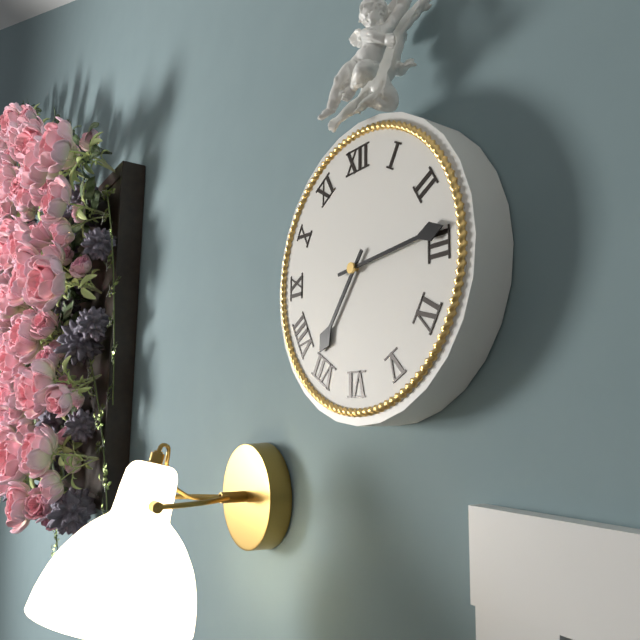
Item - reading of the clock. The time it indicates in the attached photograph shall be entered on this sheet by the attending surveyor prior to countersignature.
7:14
